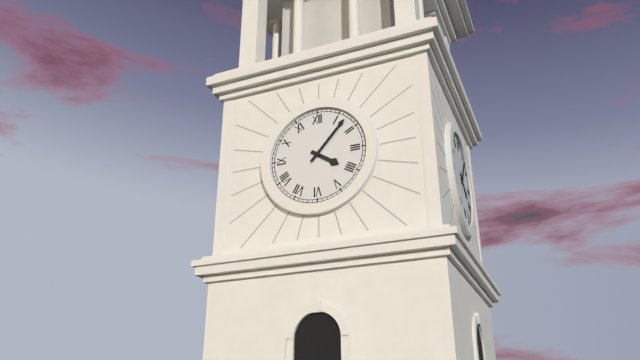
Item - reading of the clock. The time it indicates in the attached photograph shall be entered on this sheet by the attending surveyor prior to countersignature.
4:07
